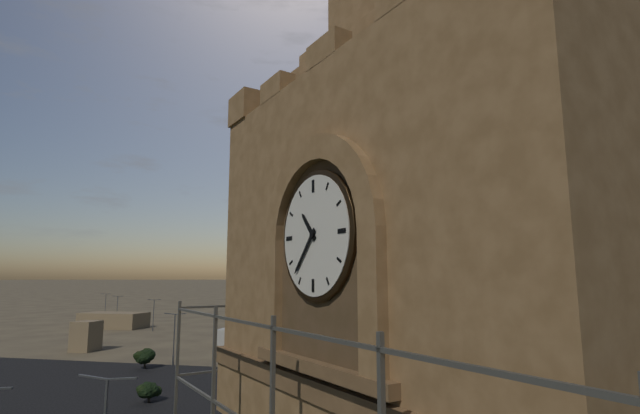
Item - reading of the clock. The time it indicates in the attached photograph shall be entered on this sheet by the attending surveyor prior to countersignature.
10:37
